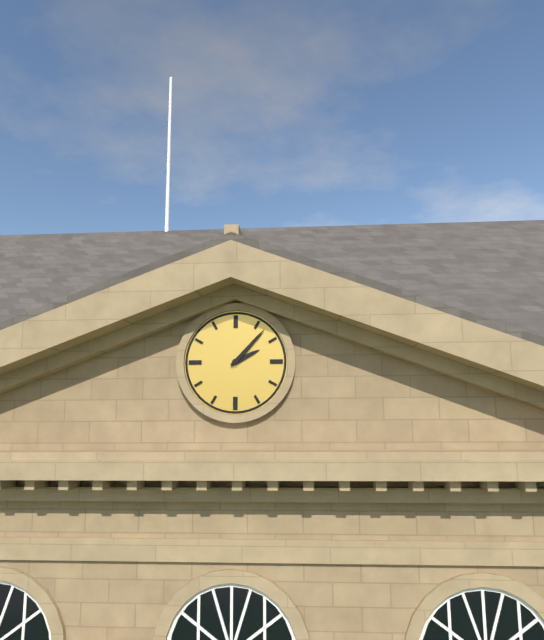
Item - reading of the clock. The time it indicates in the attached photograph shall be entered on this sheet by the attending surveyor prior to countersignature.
2:07
